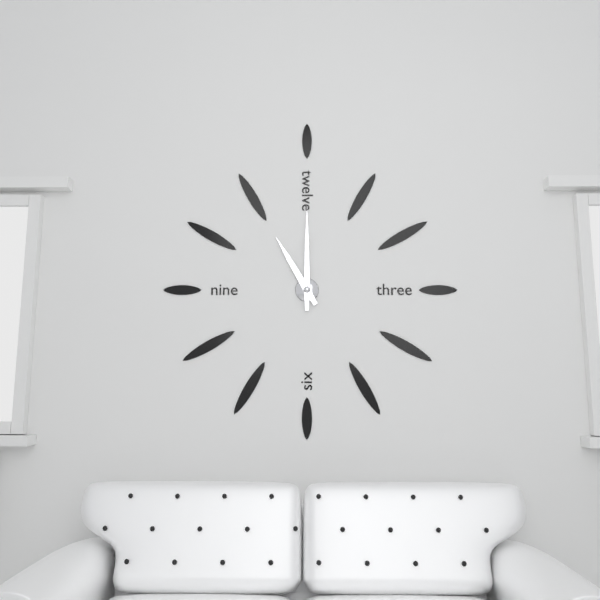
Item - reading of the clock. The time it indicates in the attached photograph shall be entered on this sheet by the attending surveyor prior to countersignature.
11:00
